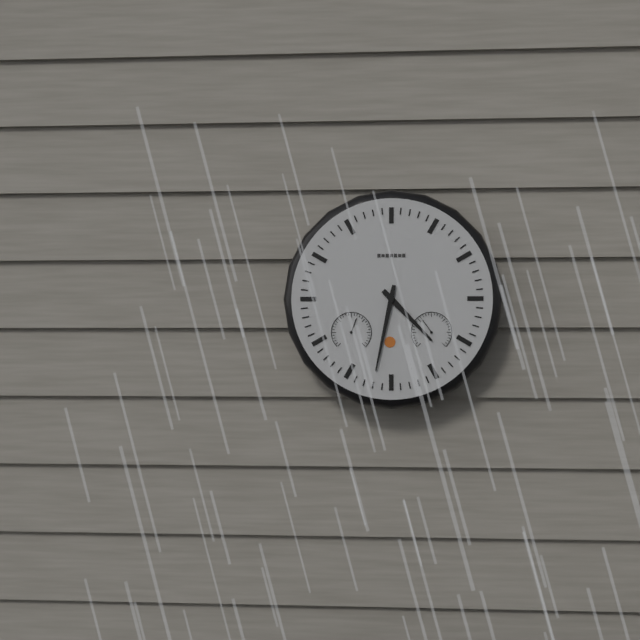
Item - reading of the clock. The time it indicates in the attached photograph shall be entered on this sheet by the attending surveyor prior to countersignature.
4:32
